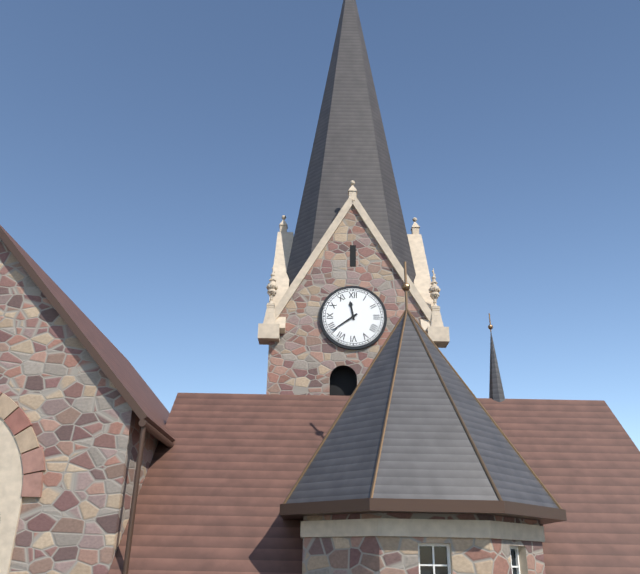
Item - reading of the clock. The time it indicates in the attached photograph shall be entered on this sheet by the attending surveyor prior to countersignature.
11:39
